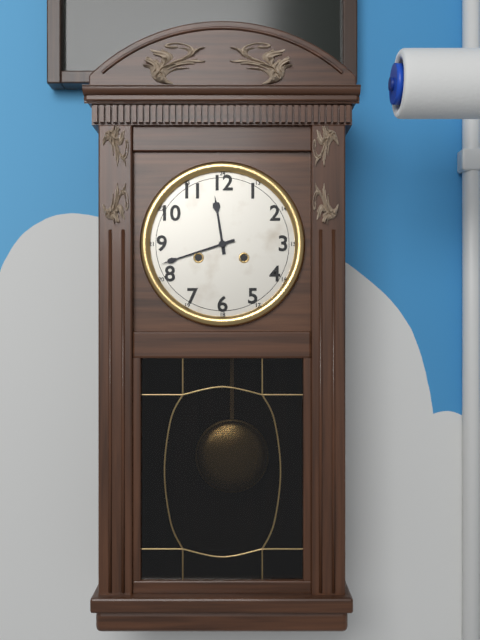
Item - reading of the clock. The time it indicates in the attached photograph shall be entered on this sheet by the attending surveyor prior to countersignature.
11:42
